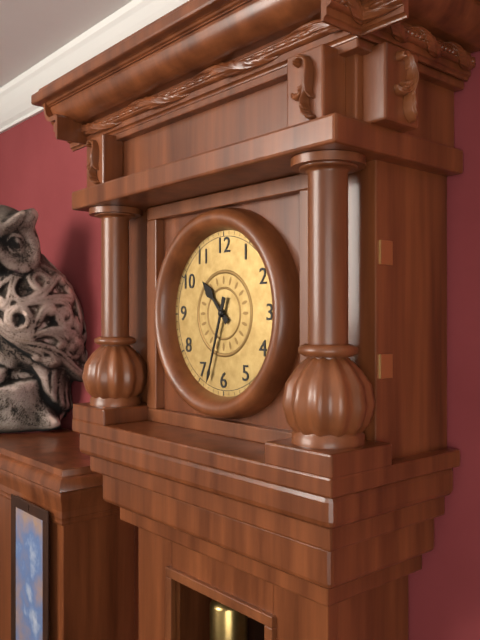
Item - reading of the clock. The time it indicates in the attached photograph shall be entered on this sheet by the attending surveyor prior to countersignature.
10:33
